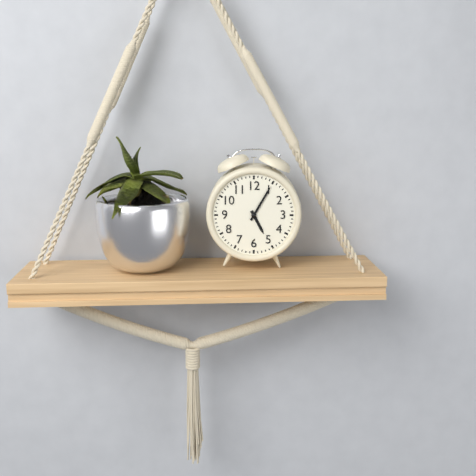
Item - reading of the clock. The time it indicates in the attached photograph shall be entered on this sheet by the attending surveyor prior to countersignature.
5:05
